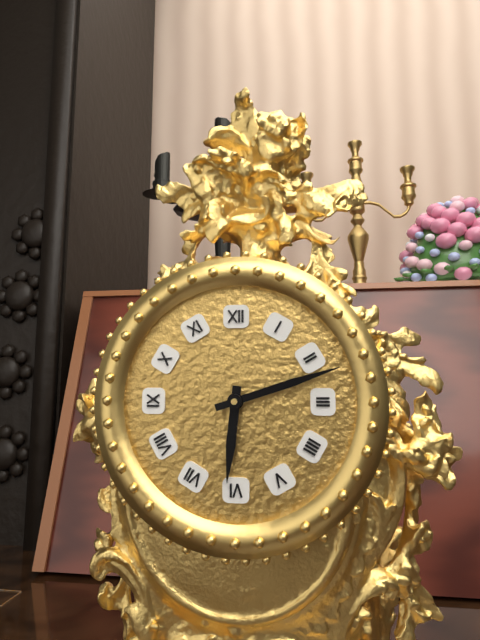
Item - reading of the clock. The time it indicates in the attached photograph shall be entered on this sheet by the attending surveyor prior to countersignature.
6:12
